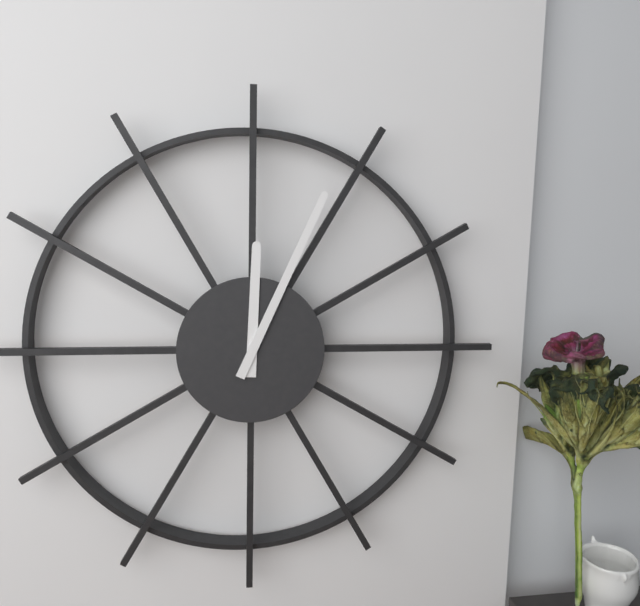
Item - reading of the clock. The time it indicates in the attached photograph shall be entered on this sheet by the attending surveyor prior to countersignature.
12:04
